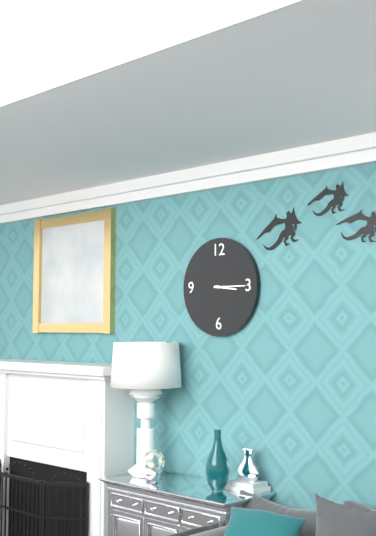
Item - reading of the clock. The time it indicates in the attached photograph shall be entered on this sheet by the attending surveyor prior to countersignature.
3:15
